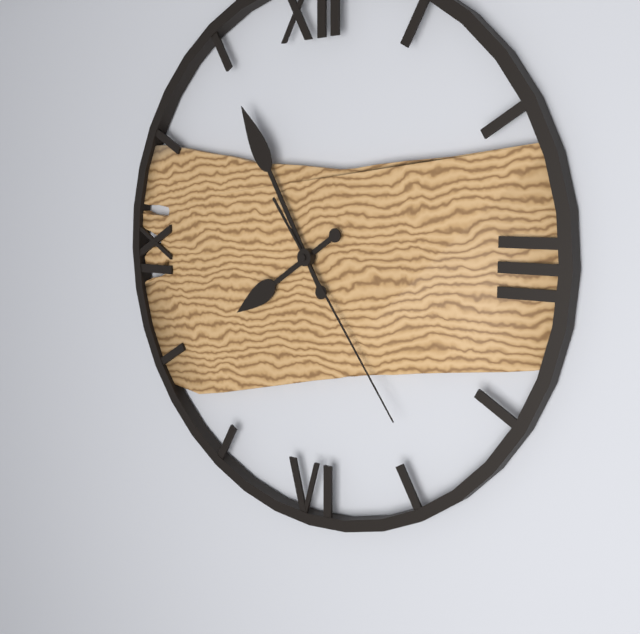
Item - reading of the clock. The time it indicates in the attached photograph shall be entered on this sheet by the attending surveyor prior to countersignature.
7:55:24
